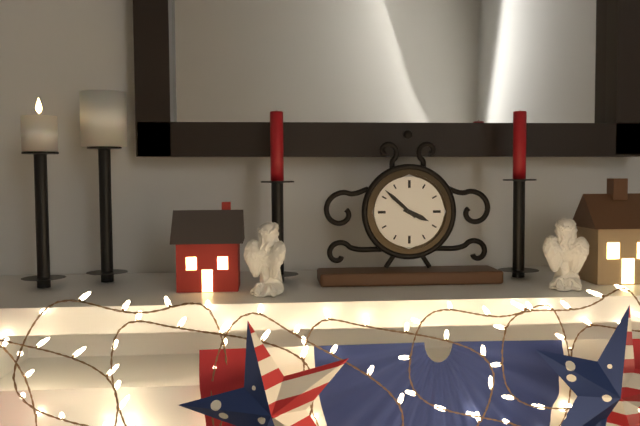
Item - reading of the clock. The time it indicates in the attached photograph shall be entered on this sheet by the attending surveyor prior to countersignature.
3:52
